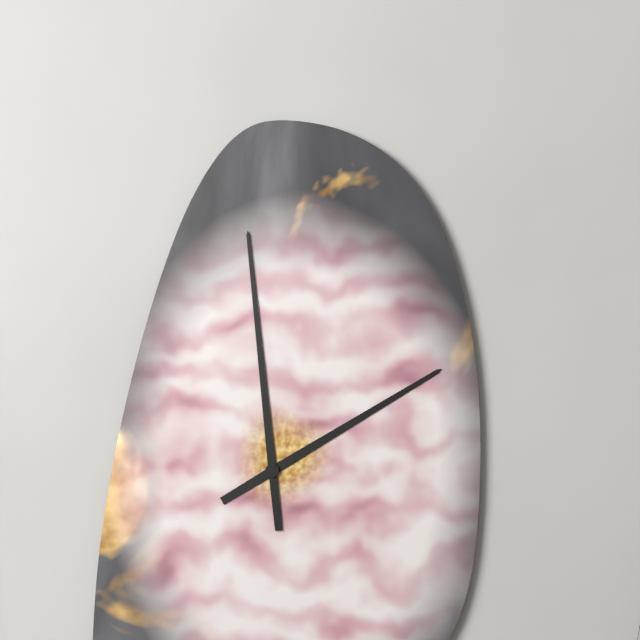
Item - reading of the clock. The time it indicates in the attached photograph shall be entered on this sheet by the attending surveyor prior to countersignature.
1:59
